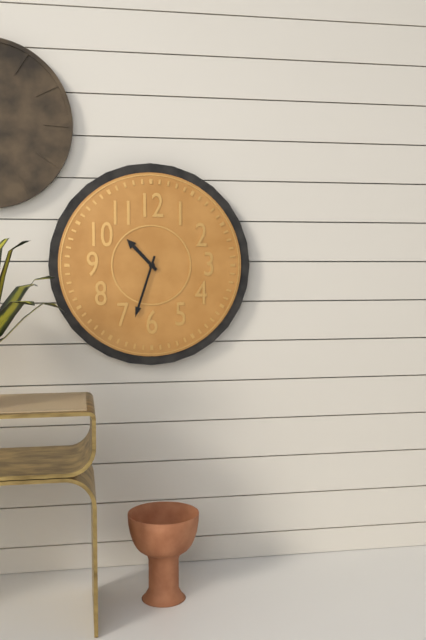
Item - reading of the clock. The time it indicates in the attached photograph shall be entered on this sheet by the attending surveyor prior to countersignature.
10:33
